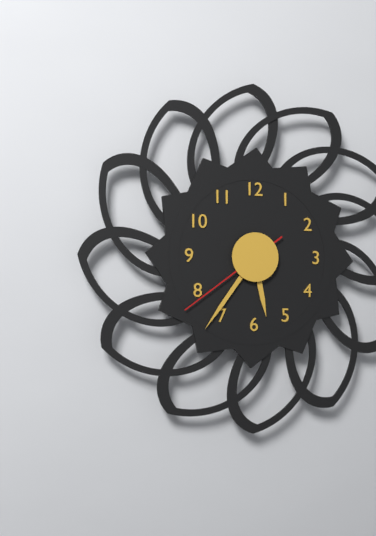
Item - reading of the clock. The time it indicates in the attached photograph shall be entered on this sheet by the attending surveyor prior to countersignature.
5:36:39
